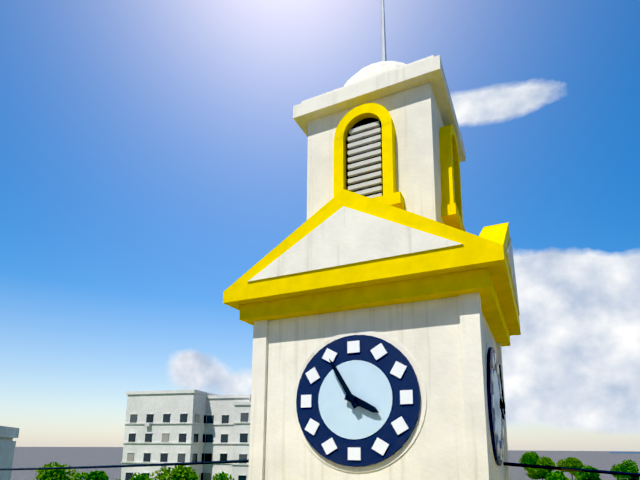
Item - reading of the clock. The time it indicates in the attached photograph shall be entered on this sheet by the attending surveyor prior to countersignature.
3:55
